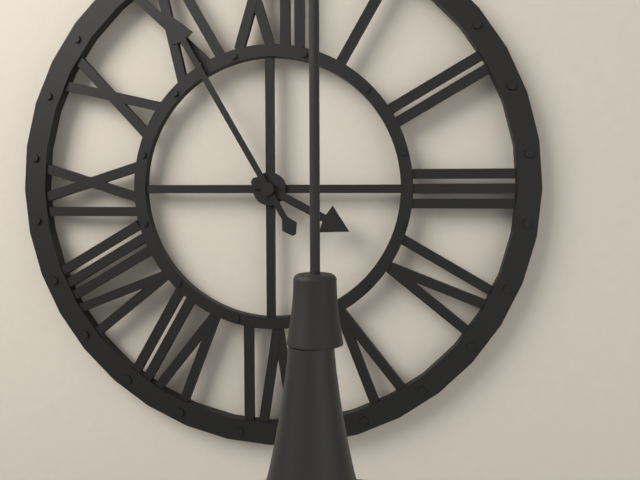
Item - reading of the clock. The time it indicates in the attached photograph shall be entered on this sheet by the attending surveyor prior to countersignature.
3:55
